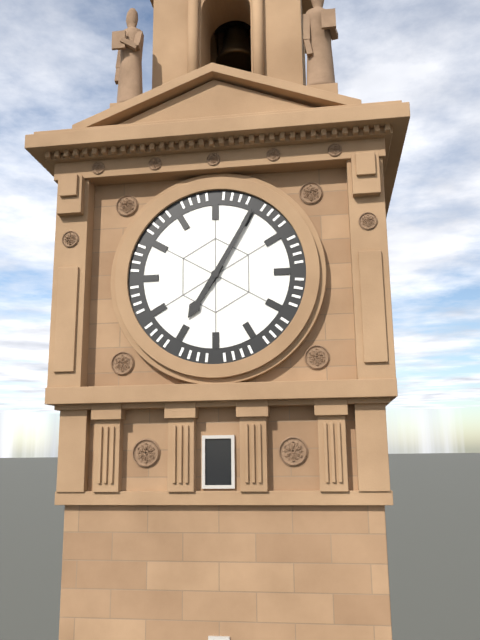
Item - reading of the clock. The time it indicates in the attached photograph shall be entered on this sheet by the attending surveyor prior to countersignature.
7:05
